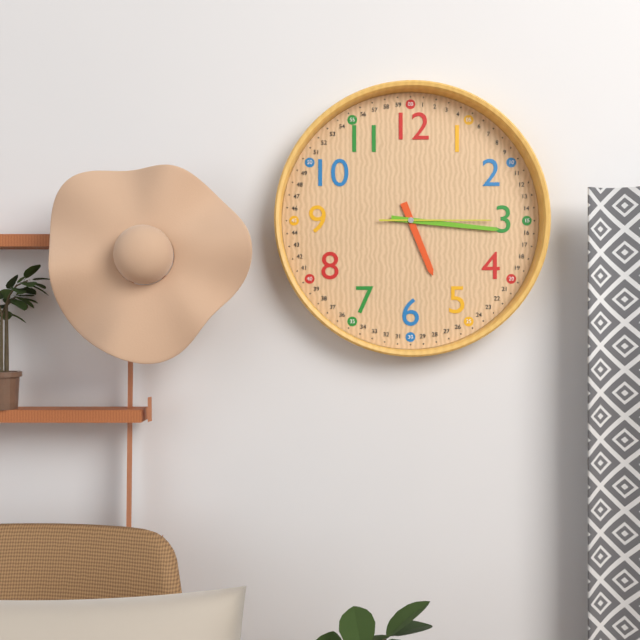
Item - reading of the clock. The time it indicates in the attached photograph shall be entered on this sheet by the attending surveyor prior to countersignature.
5:16:15
